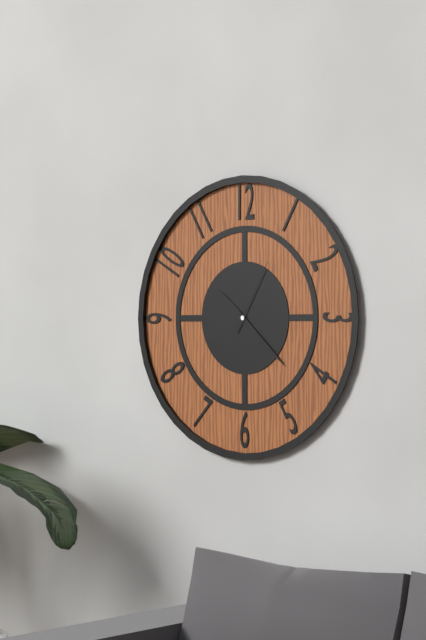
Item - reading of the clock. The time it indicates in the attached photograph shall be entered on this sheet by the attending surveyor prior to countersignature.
10:22:05
